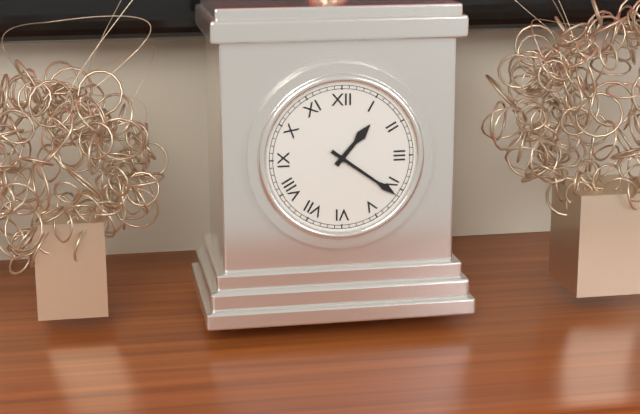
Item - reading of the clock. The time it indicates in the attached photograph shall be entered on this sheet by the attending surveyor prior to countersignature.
1:21
